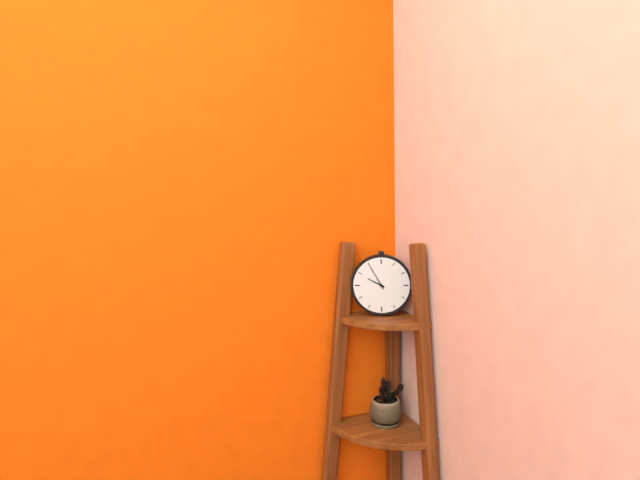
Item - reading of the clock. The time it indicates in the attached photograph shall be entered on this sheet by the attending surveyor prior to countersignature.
9:55
